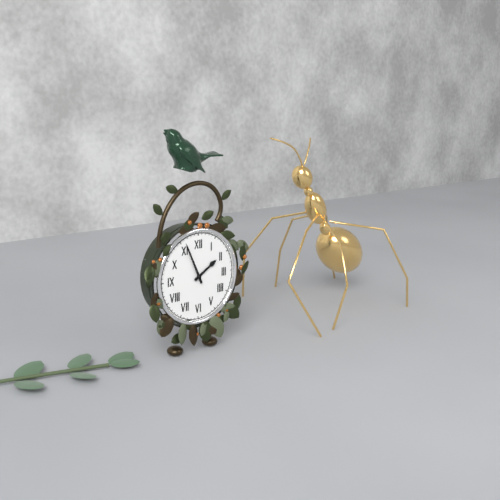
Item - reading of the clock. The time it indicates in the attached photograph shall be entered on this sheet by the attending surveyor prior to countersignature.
1:56
